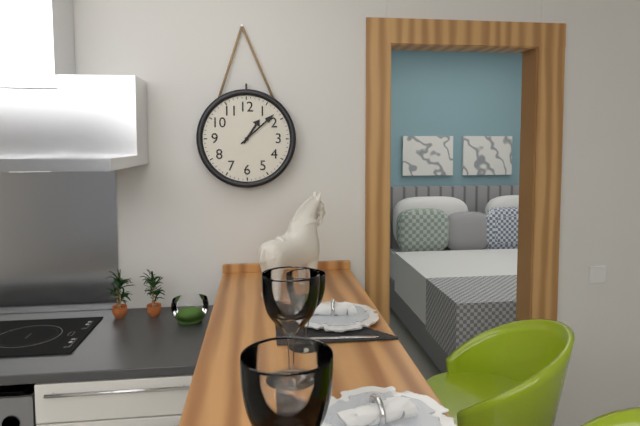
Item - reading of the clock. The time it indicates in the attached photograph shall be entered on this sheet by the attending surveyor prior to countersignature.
1:08
